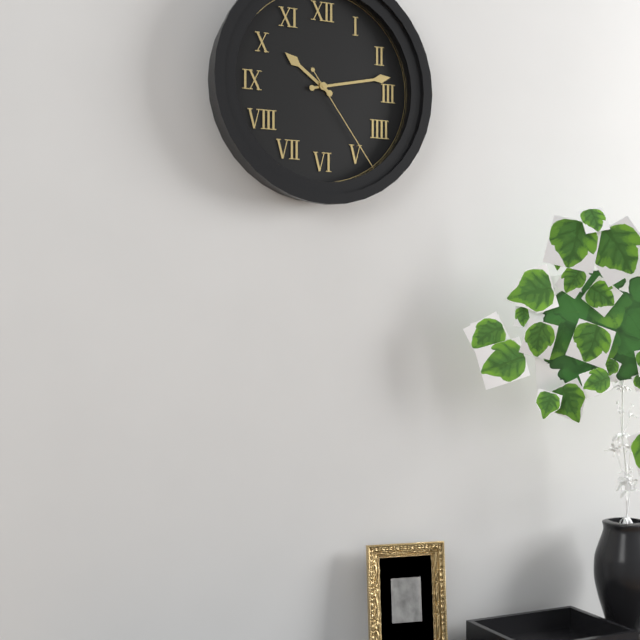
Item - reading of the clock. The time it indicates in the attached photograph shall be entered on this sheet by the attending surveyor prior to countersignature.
10:13:24
